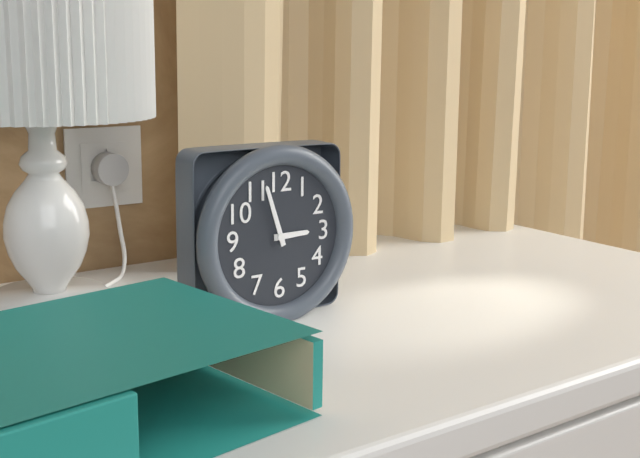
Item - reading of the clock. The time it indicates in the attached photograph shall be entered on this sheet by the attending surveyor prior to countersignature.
2:57
